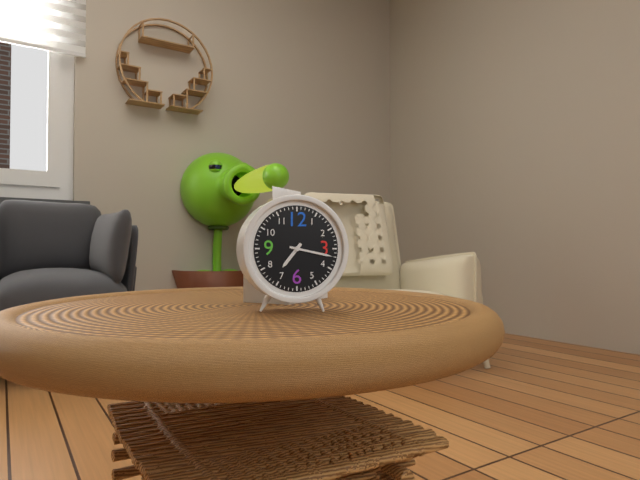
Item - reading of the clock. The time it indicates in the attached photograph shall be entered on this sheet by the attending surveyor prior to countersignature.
7:17
